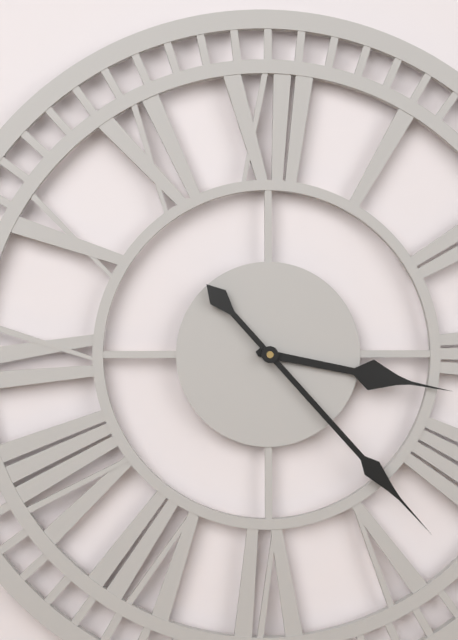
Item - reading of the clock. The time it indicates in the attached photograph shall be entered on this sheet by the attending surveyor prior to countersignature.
3:23
